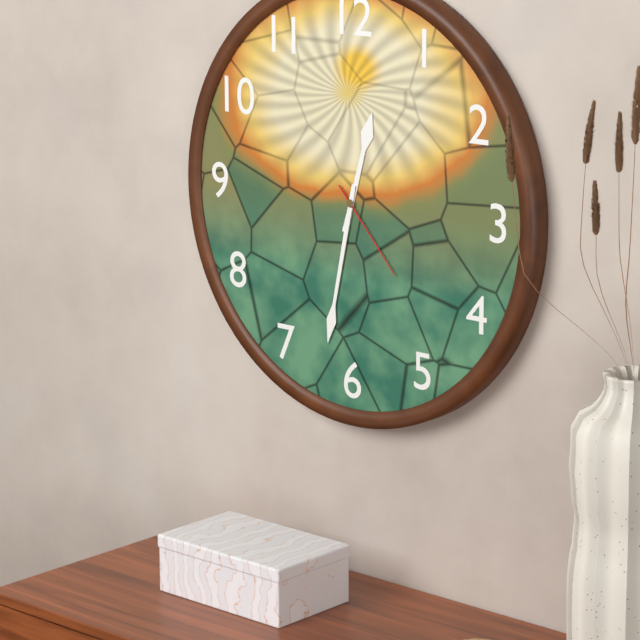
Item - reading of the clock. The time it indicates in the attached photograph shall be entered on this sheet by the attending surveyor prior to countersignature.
12:32:23
